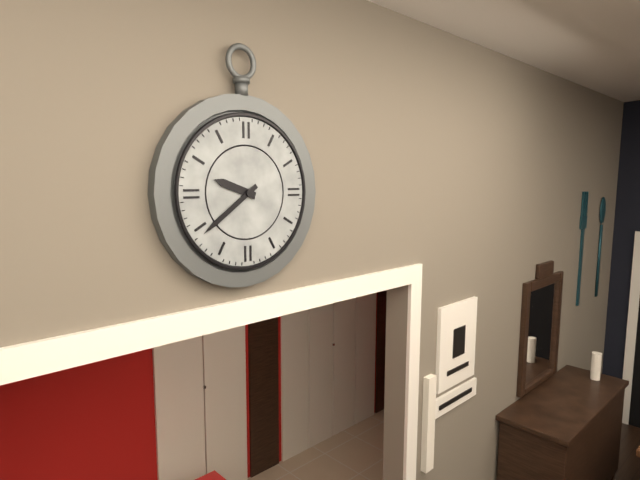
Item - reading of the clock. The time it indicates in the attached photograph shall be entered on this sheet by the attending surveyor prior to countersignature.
9:39
